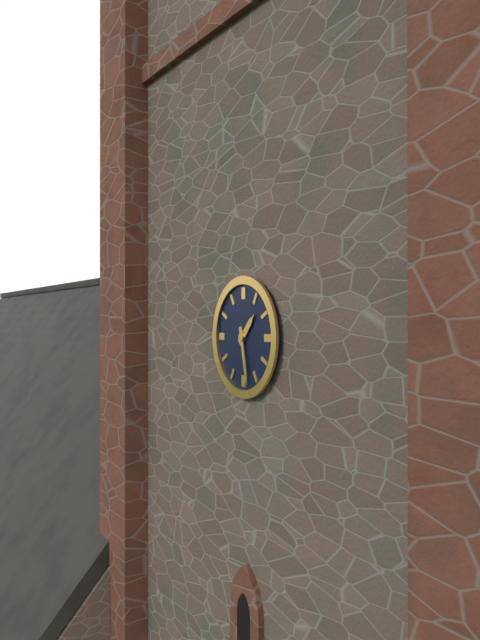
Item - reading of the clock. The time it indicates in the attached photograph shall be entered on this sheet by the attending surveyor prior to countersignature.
1:28
